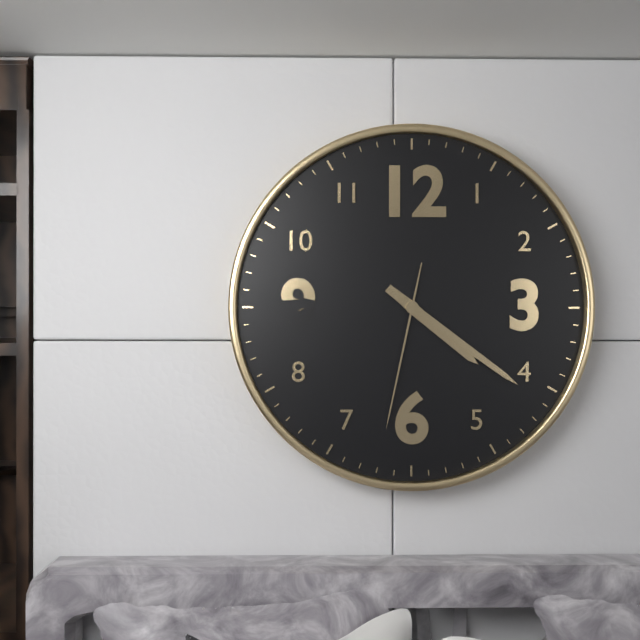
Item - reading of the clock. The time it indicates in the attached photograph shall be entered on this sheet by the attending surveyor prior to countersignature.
4:21:32
